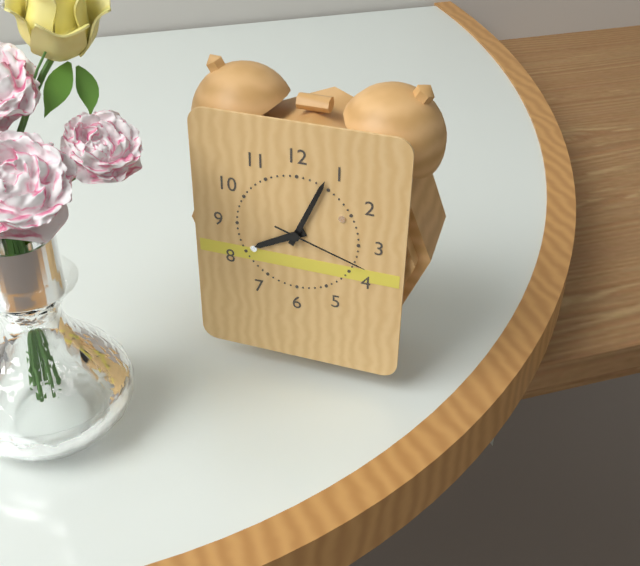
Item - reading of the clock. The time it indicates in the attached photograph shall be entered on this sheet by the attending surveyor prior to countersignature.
8:04:18
